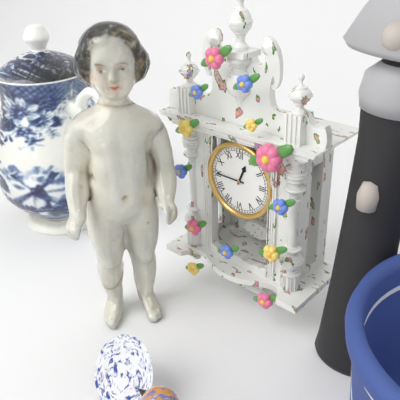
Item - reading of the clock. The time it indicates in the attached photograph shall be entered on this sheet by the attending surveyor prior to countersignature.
12:45
